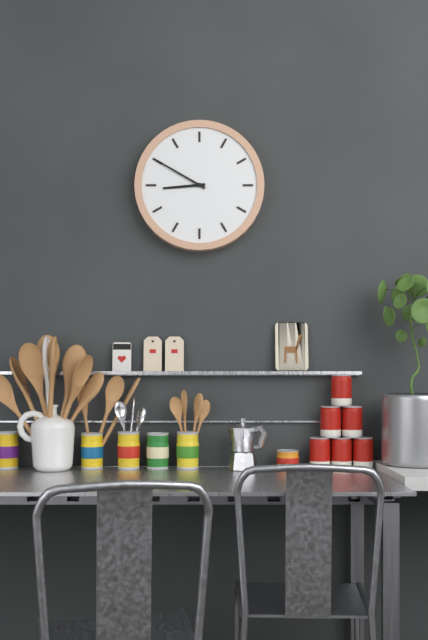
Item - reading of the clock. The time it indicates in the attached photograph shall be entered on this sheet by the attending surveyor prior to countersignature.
8:50
